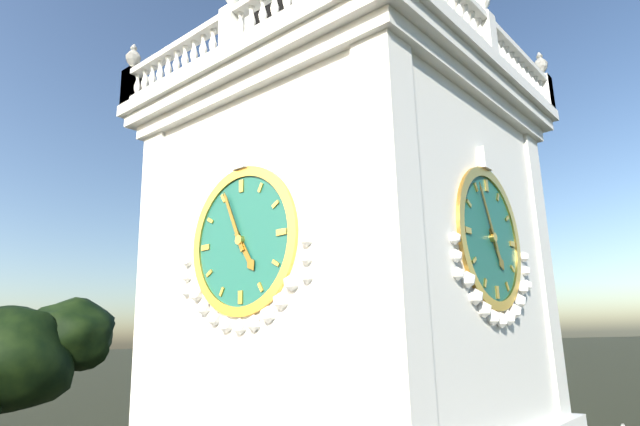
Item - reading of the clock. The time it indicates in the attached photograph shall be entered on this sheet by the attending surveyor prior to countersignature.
4:56
